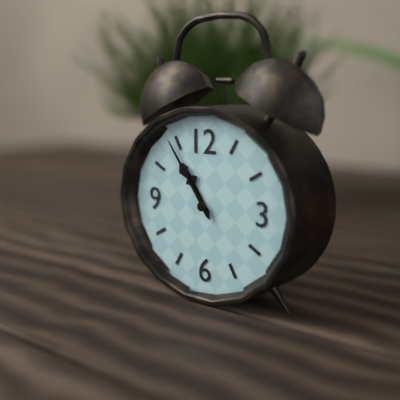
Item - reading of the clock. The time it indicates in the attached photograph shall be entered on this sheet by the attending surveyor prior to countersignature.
10:54
